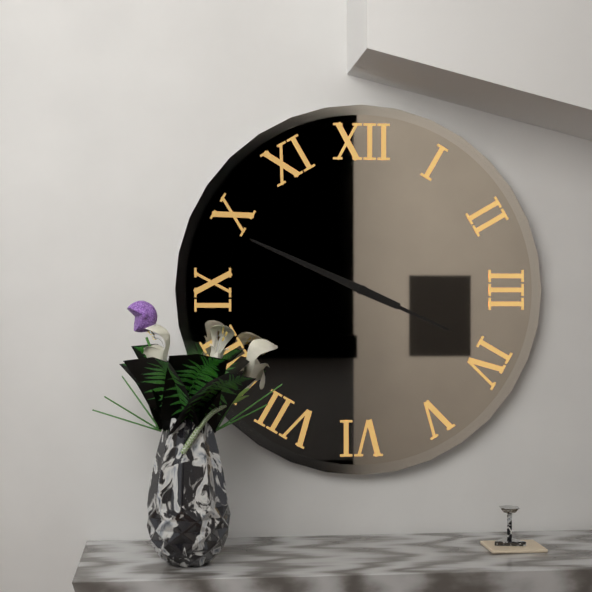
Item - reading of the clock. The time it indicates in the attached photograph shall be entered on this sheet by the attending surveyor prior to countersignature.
3:49
